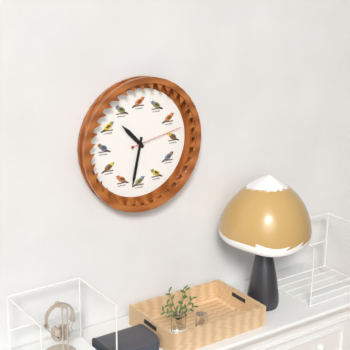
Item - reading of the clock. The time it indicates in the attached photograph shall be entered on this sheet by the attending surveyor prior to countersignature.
10:32:13
